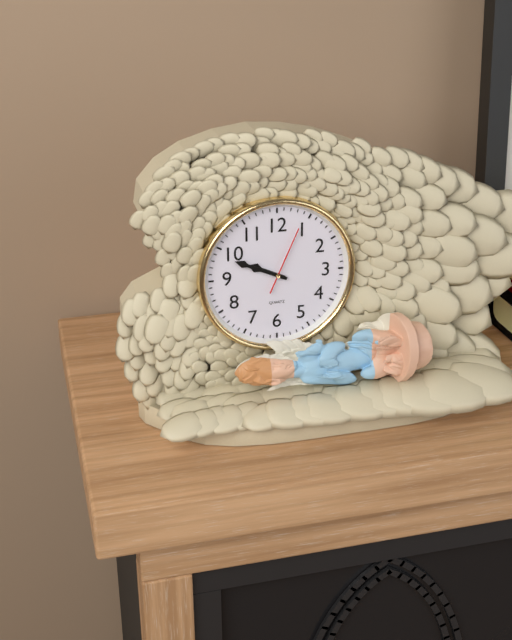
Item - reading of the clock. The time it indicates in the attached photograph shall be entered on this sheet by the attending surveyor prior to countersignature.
9:49:04
